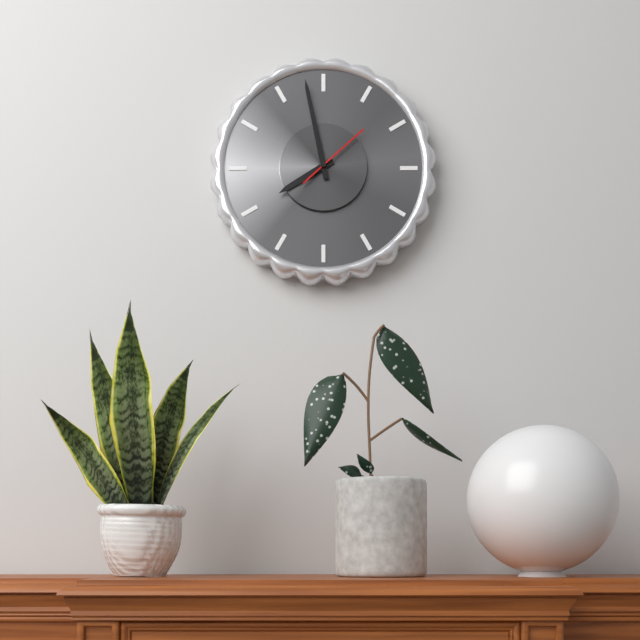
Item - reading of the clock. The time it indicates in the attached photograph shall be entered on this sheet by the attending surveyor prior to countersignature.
7:58:08
